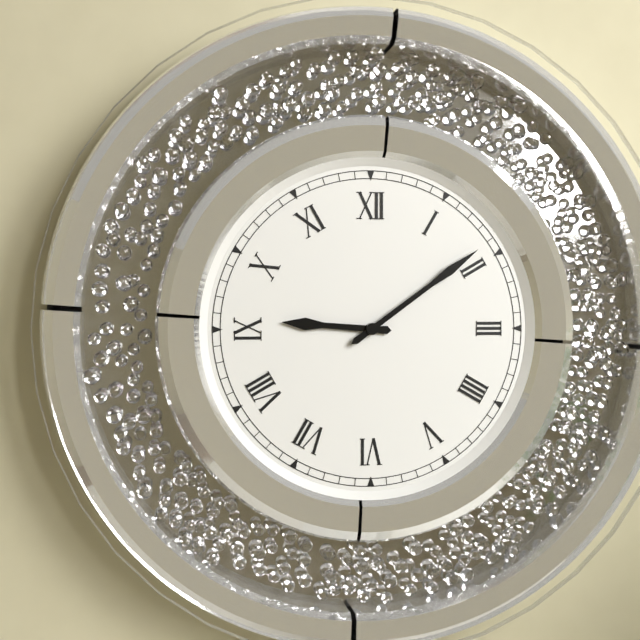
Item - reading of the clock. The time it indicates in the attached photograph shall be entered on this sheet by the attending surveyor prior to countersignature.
9:09
